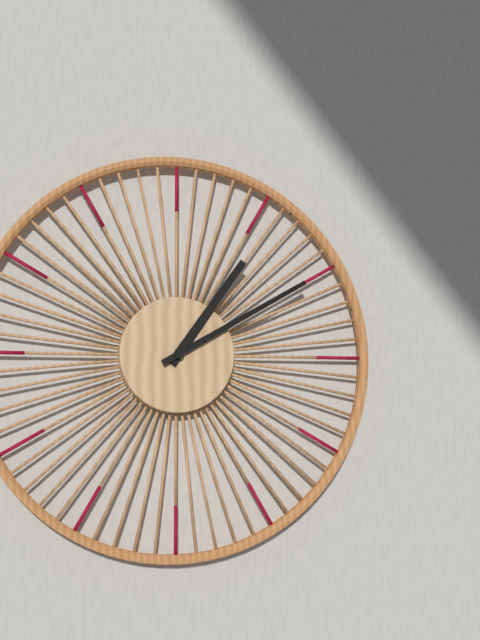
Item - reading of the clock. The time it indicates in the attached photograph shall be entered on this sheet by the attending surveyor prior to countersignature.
1:10
